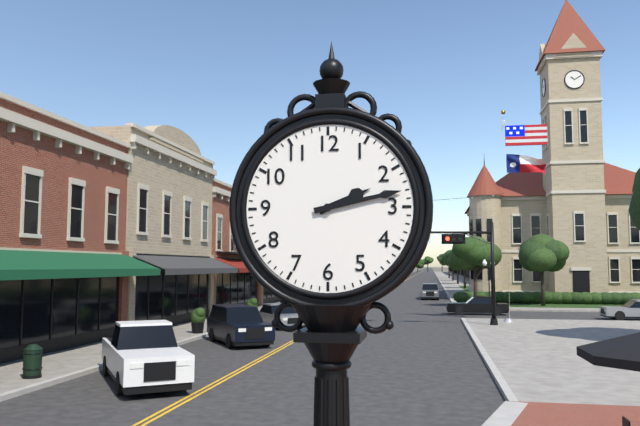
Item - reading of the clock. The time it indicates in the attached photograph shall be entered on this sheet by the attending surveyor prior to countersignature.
2:13
